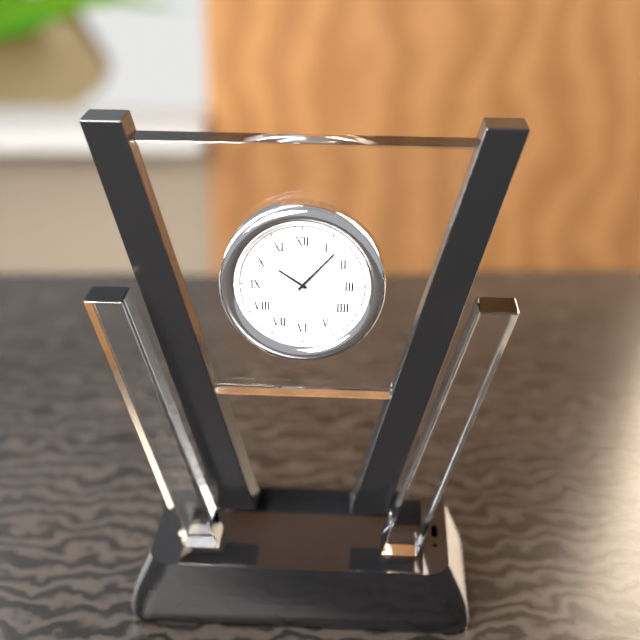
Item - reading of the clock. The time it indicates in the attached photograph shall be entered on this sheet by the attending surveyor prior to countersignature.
10:07:34
